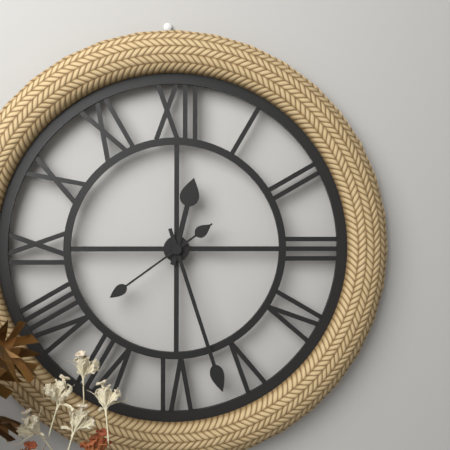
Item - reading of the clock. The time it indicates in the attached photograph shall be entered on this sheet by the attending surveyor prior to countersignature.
12:27:39
